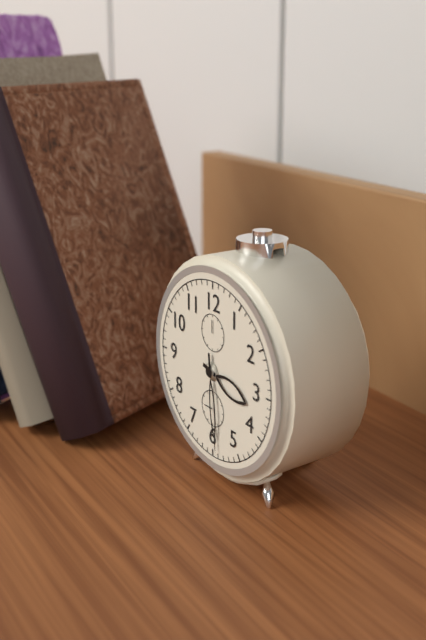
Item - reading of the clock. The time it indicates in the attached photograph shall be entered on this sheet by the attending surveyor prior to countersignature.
3:29
